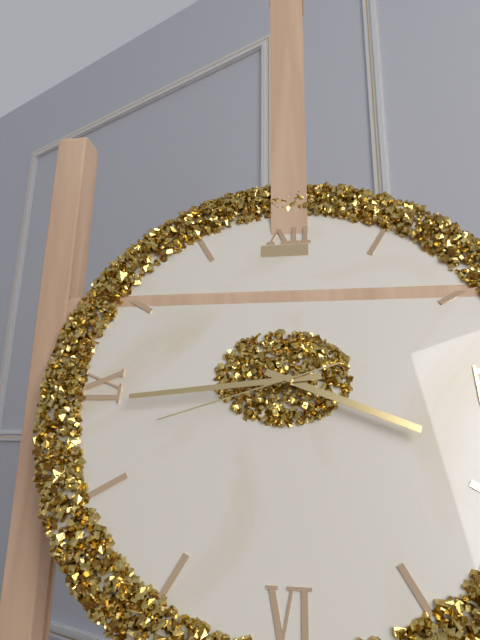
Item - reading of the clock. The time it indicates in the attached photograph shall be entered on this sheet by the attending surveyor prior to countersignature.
3:44:42
